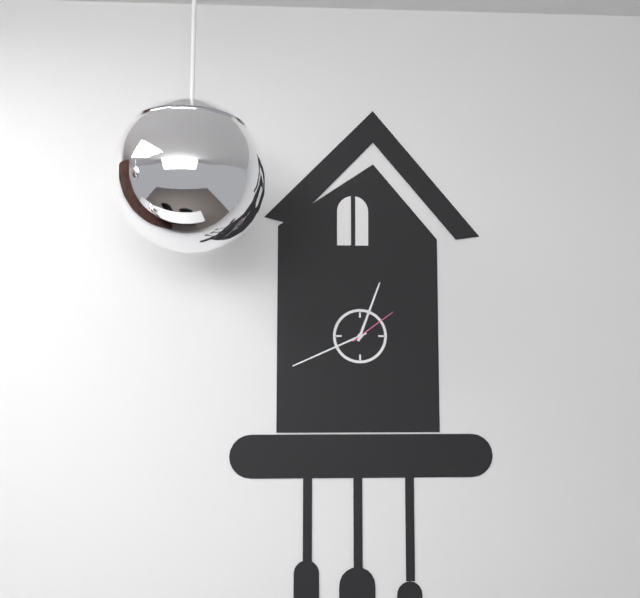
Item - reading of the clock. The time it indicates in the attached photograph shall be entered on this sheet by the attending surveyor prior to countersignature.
12:41:09
